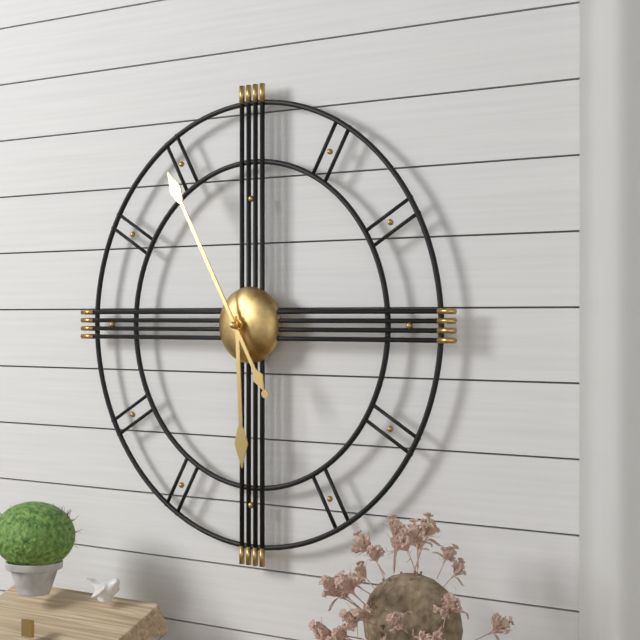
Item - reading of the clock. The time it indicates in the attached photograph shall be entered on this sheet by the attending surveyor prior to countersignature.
5:55
